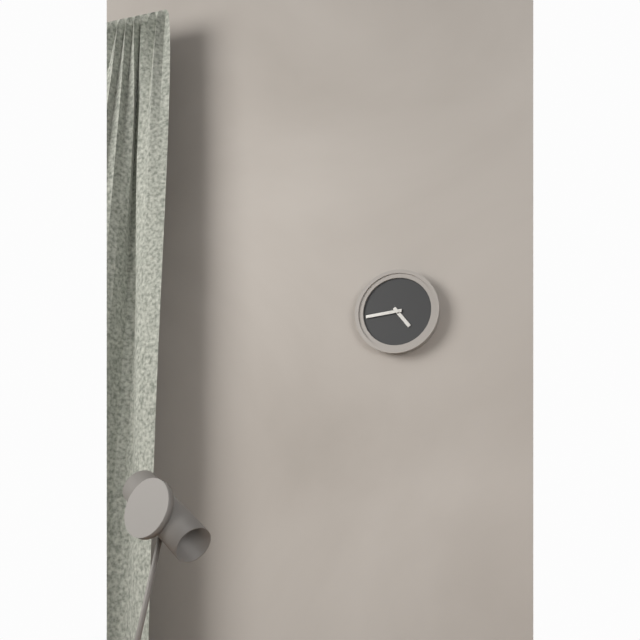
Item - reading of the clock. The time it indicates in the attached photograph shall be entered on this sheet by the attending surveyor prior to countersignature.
4:44
